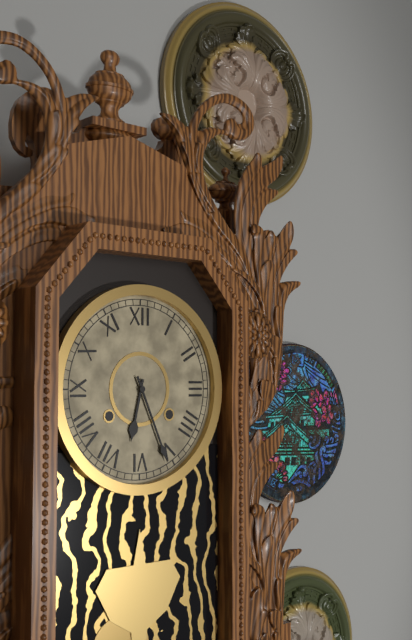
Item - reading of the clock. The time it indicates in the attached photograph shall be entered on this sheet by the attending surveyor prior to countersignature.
6:26
